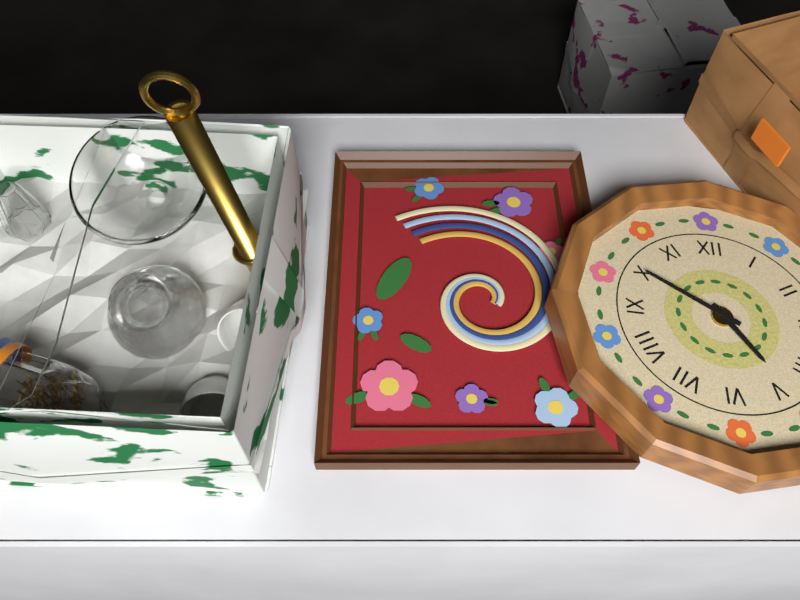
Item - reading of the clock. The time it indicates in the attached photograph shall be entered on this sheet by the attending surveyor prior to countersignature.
4:50
